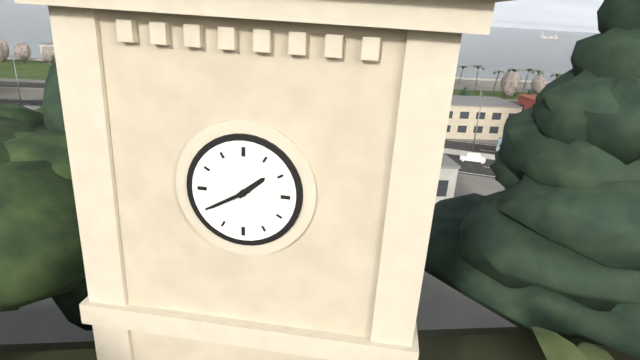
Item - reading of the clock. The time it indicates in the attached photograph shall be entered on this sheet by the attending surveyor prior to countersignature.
1:40
